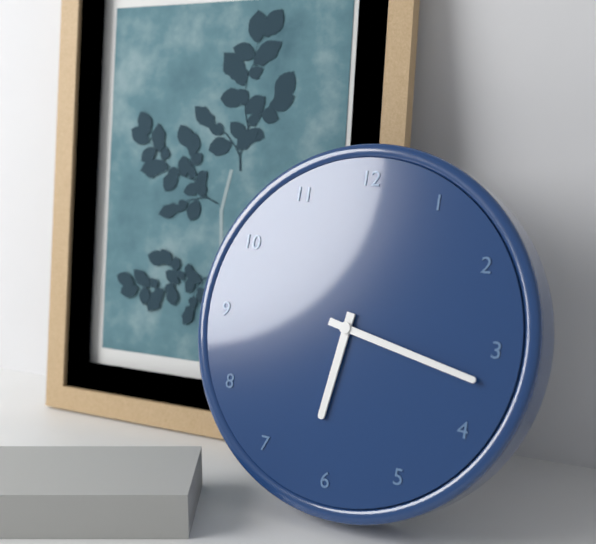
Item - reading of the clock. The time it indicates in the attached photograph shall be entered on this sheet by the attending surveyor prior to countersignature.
6:17
